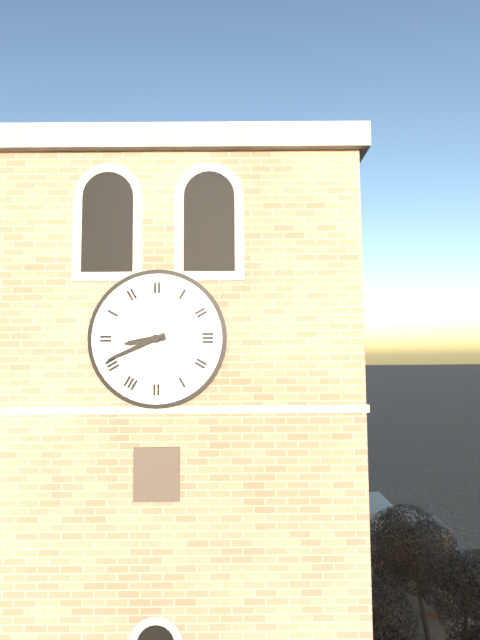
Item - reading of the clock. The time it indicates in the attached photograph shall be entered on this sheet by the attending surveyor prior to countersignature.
8:41
